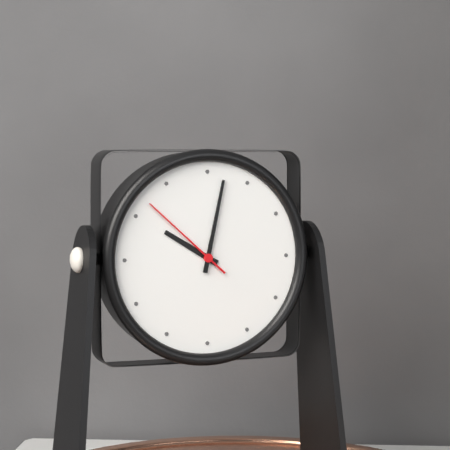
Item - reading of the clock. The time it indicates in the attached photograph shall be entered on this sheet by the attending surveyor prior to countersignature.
10:02:52
